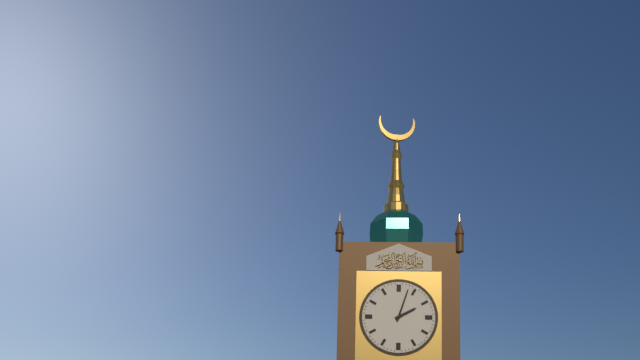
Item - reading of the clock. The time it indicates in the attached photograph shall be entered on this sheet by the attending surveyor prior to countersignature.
2:03
